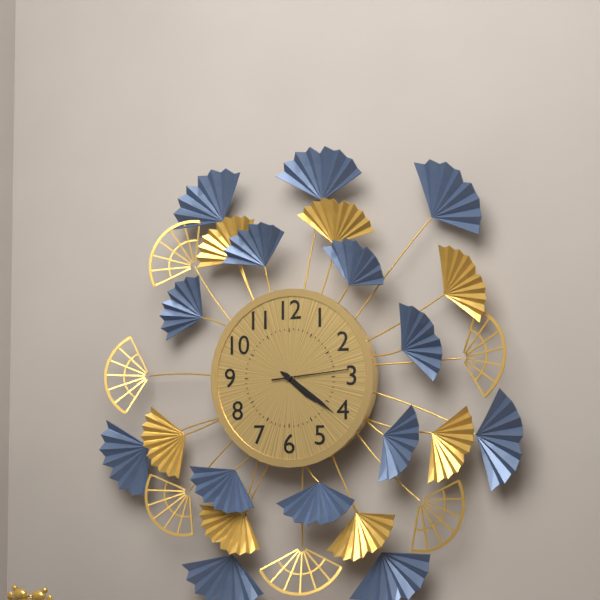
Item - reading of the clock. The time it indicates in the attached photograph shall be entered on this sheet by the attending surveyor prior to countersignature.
4:21:14
